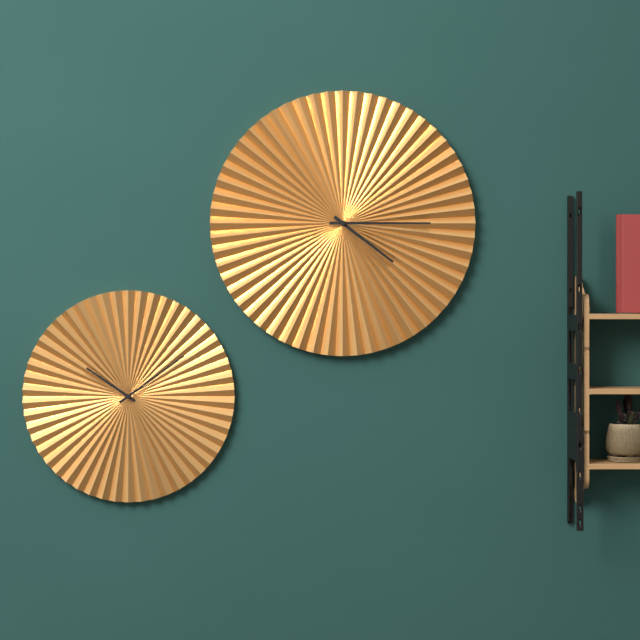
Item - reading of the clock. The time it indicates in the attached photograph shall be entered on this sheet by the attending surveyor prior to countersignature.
4:15
